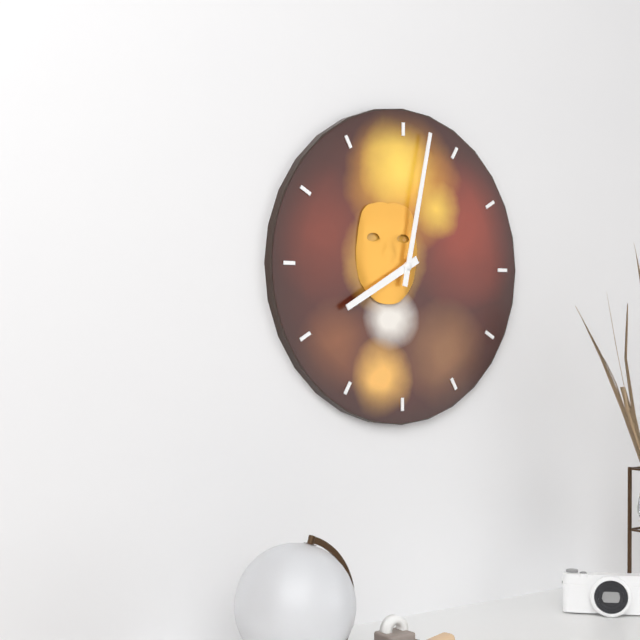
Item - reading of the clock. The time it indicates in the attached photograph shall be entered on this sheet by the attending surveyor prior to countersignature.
8:02
